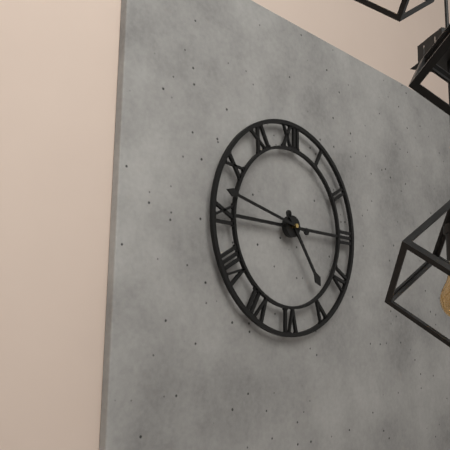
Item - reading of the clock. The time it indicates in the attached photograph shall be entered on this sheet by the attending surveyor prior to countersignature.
4:47
